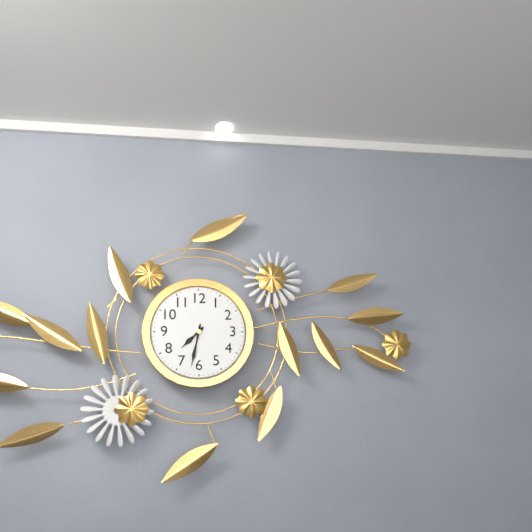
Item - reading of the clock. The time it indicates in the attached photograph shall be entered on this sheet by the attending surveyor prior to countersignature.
7:32
